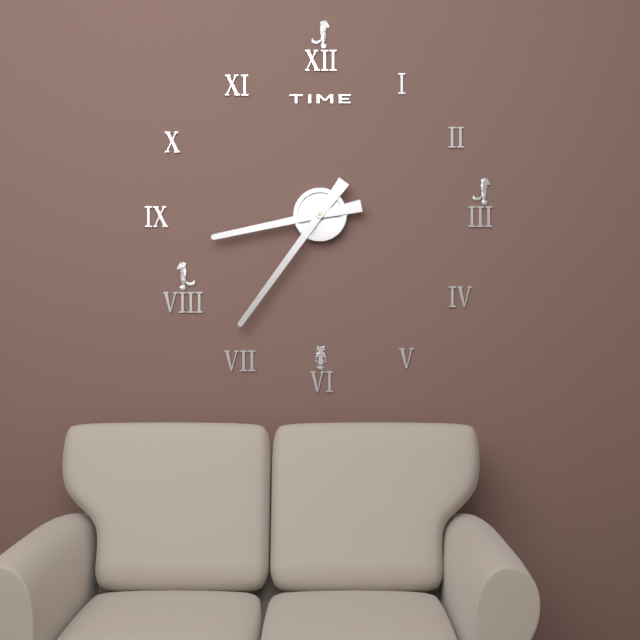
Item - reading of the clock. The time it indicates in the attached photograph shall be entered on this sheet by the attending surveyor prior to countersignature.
8:36
